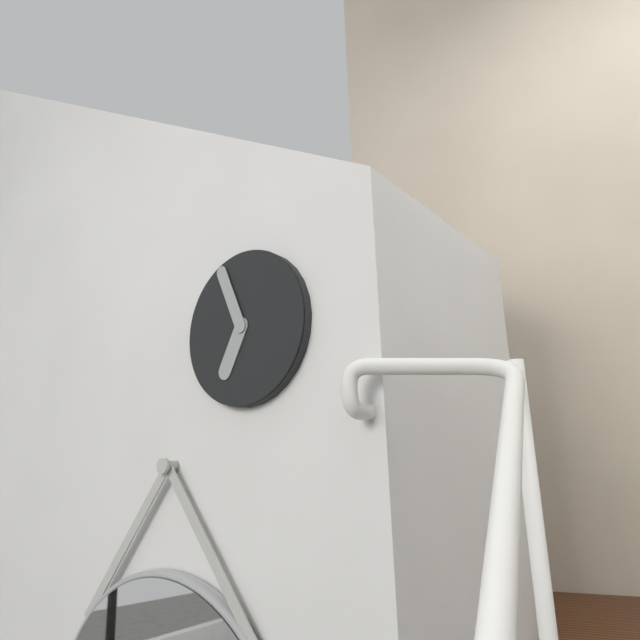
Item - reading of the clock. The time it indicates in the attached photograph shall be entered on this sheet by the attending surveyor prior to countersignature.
6:56
